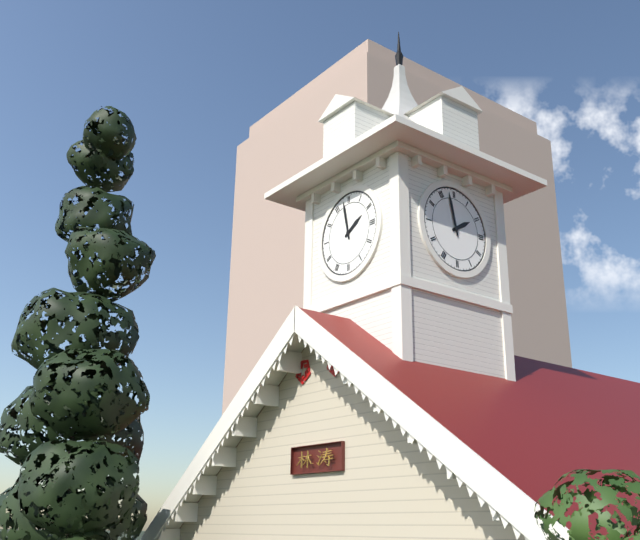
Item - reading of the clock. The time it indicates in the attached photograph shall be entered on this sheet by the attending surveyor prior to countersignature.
1:58
